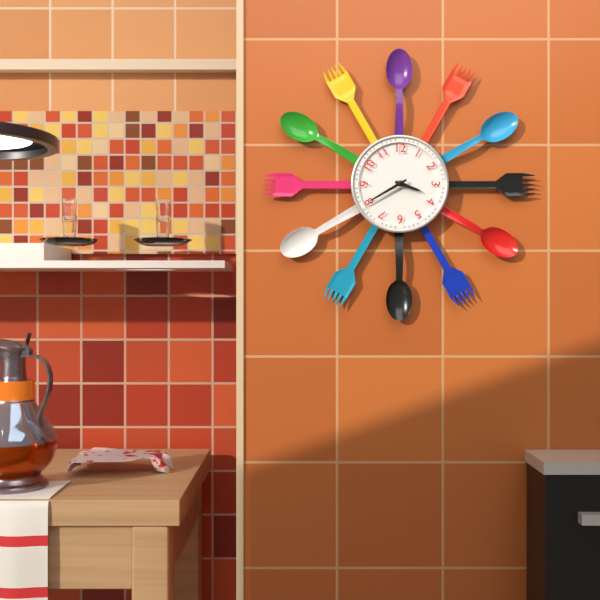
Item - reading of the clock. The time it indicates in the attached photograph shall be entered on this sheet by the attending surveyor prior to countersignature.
3:40
